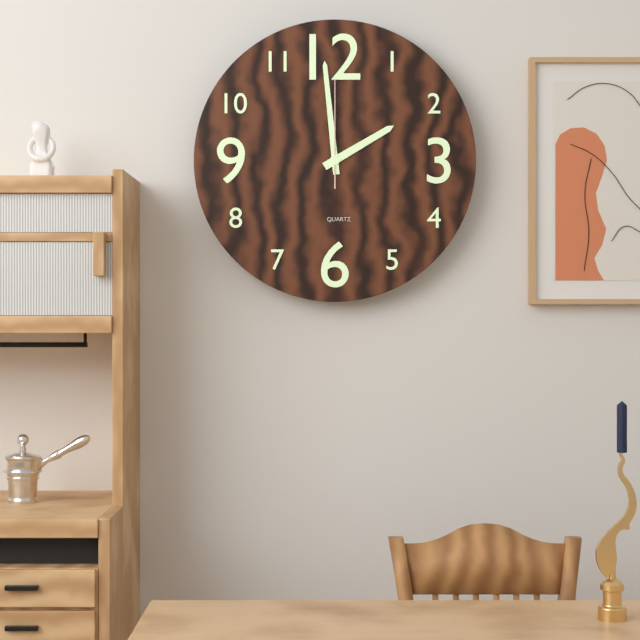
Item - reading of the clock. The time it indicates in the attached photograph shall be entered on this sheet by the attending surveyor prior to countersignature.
1:59:00
